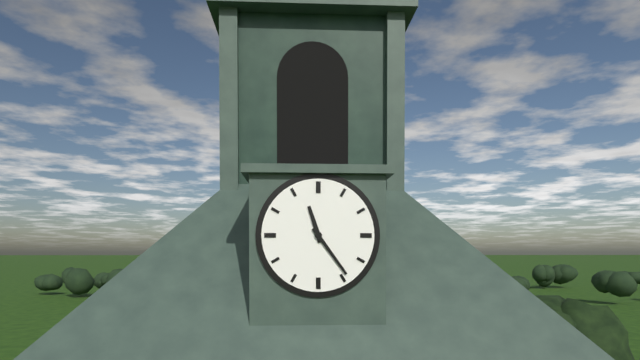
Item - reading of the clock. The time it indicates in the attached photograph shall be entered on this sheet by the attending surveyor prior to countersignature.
11:24
